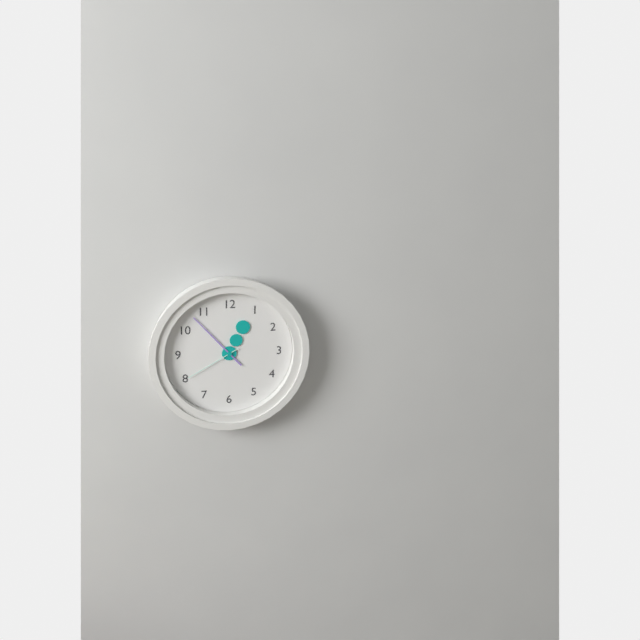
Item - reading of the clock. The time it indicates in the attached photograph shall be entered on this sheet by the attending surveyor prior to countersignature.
12:53:40
